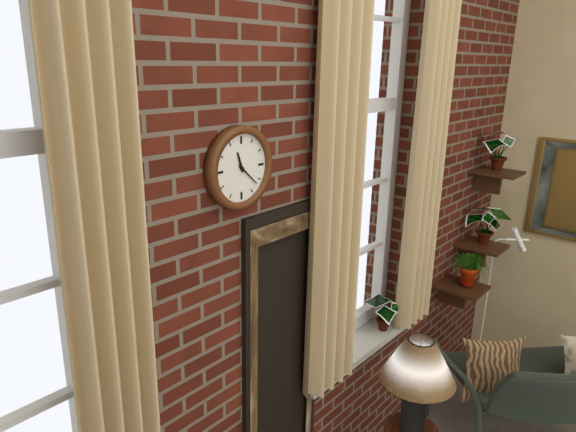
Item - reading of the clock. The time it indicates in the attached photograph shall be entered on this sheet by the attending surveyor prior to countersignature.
11:22
